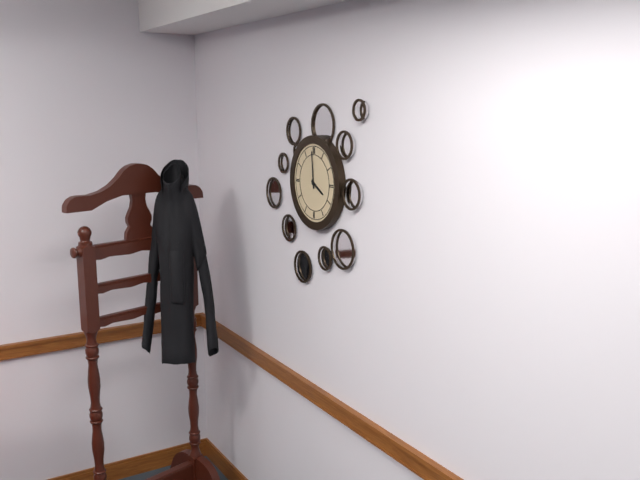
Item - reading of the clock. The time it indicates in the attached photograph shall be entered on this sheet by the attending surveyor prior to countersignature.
3:59
